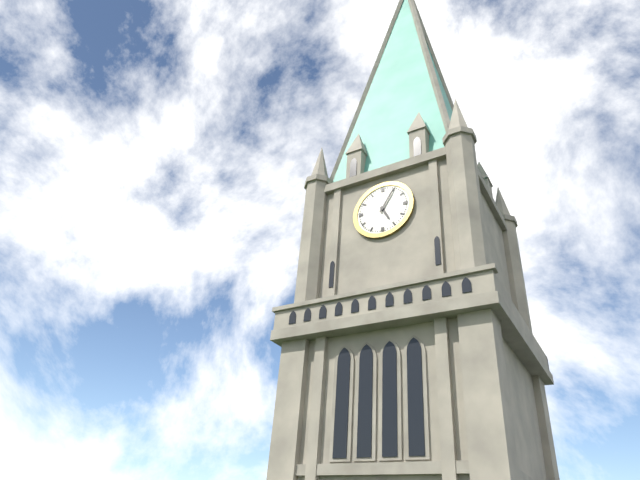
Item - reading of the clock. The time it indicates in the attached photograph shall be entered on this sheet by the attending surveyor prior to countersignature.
5:05
